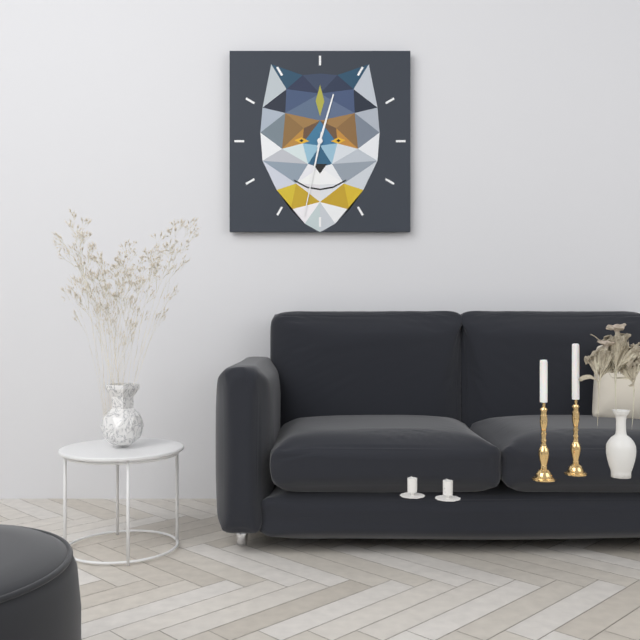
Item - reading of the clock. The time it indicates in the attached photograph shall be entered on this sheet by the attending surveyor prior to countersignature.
12:32
